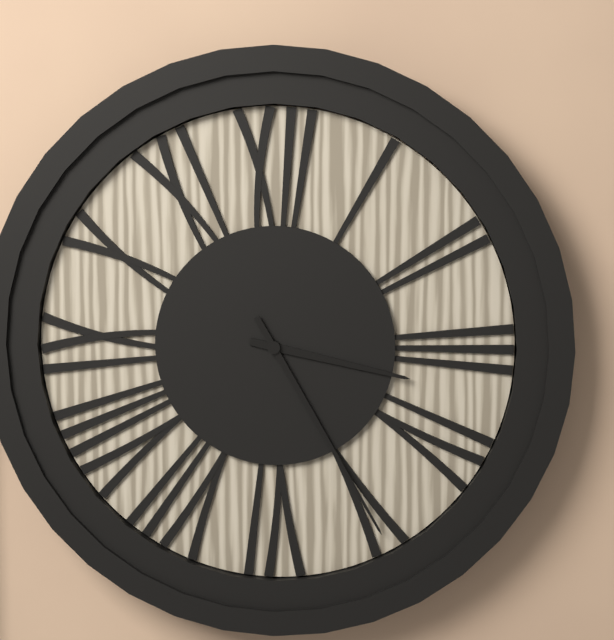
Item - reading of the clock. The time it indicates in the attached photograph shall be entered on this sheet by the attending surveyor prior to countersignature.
3:25
